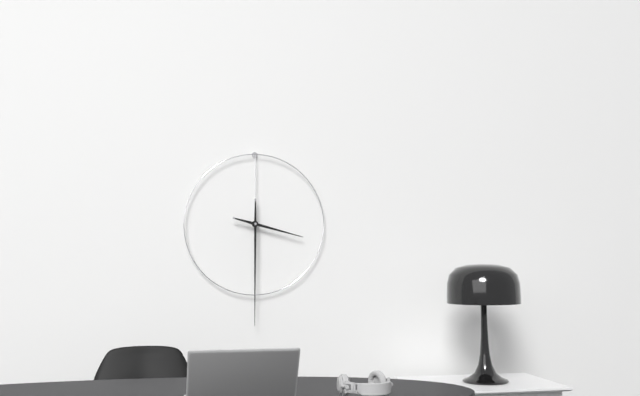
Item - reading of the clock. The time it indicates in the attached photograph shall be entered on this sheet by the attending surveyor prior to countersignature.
3:30
